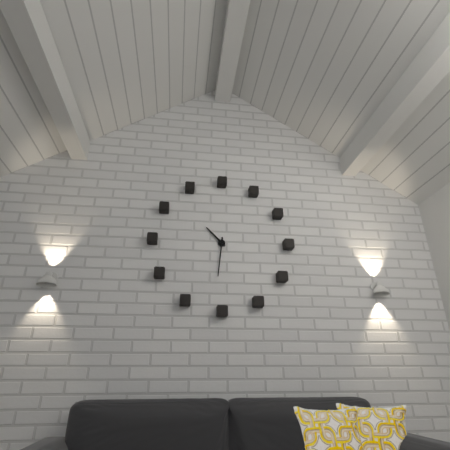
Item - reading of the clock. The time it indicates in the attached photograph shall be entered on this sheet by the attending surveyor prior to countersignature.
10:31
